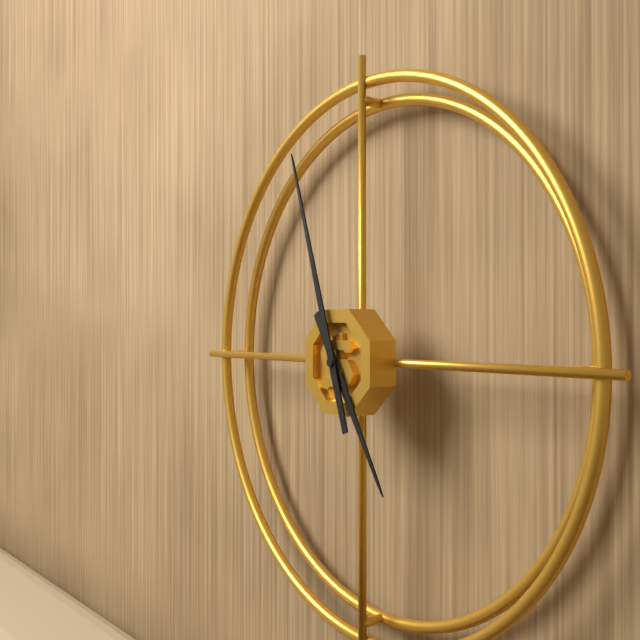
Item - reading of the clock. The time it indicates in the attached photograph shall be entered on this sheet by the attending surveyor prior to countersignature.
4:57
